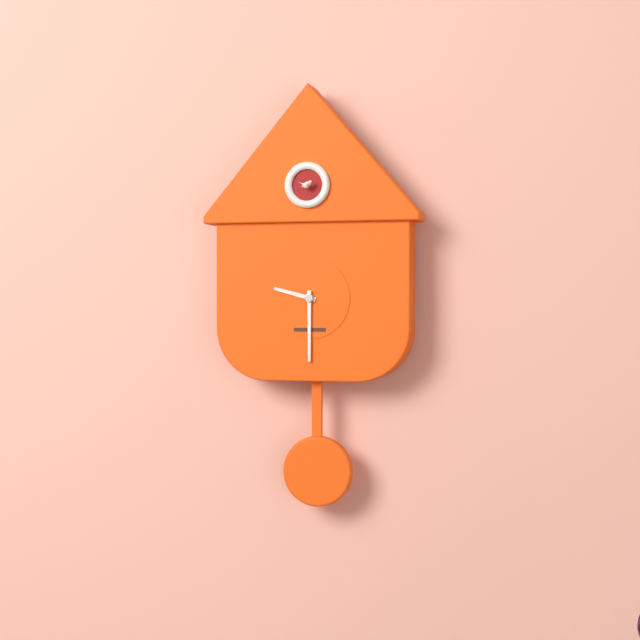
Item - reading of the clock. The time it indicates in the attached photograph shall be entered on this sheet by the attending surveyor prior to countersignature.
9:30
